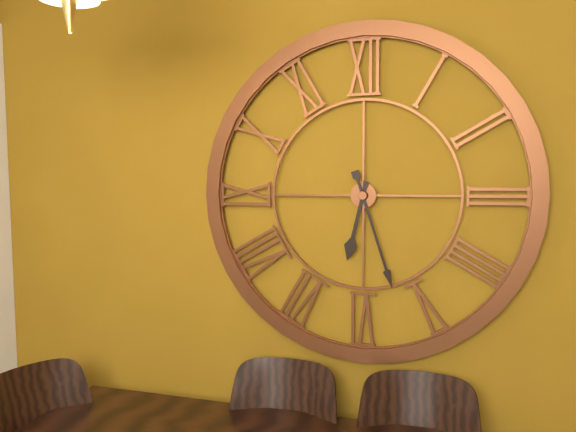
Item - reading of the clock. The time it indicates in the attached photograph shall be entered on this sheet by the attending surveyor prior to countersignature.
6:27
